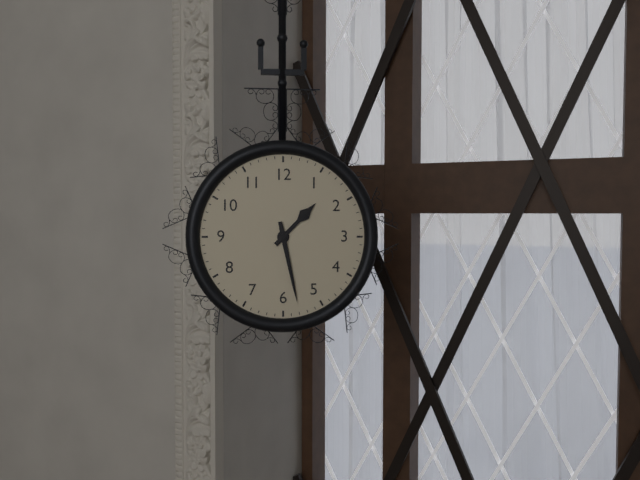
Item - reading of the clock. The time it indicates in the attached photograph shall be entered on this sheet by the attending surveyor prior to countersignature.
1:28
